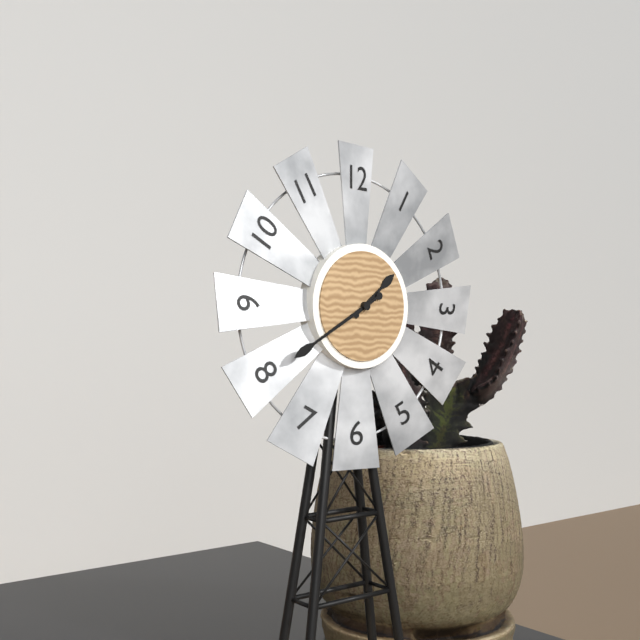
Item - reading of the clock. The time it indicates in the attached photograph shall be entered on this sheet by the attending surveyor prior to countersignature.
1:40
